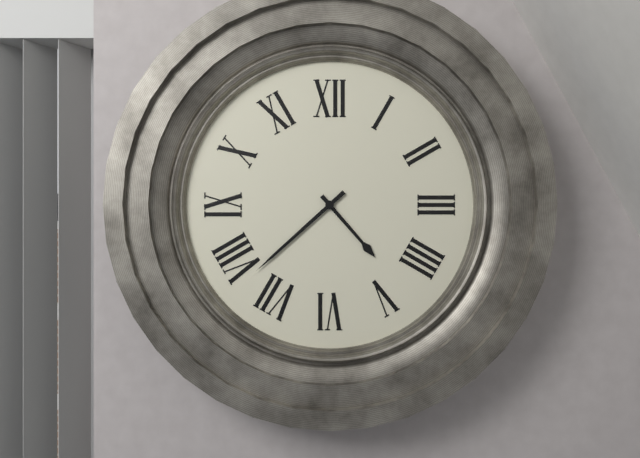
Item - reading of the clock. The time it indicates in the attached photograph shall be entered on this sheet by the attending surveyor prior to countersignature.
4:38
